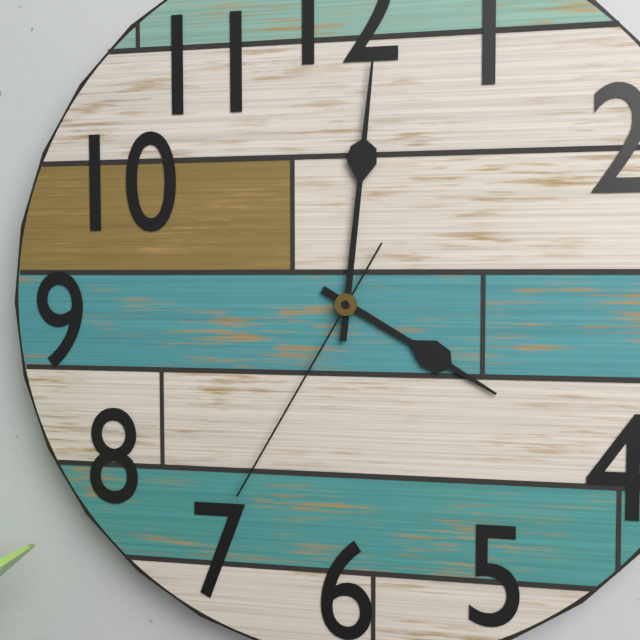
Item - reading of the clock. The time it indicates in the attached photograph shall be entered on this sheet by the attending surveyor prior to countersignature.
4:01:35
